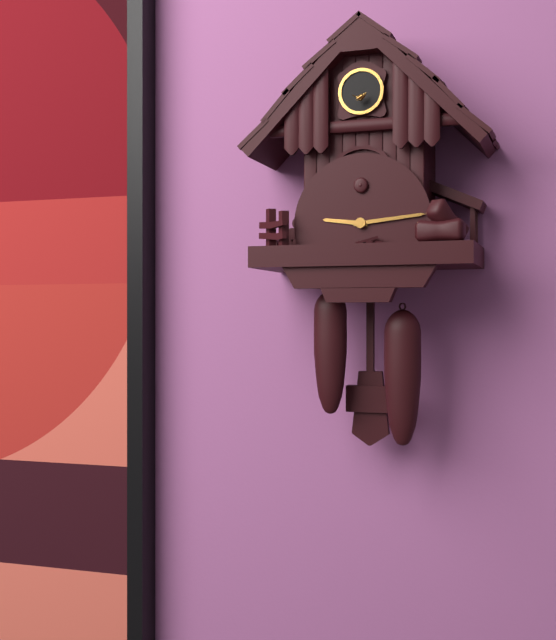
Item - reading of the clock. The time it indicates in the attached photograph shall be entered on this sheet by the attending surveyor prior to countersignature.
9:14
